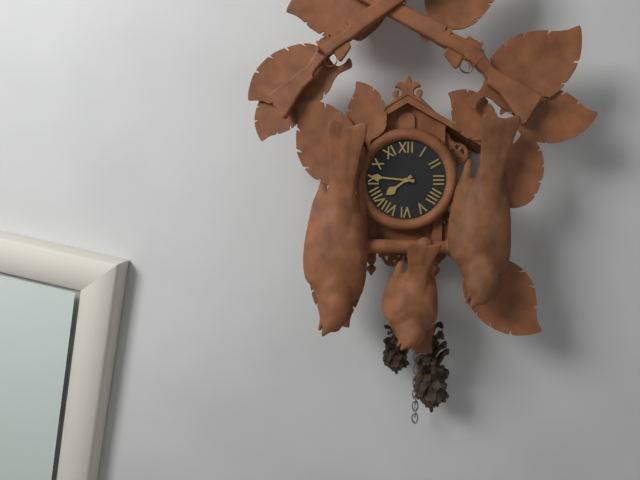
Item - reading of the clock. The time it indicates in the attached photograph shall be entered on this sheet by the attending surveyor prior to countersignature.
7:46
